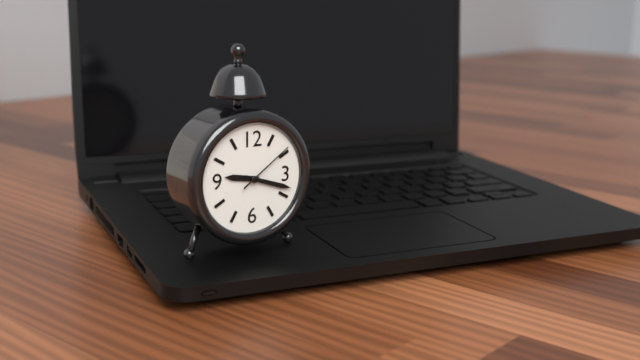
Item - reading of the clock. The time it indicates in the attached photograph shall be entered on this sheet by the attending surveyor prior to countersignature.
9:18:09
